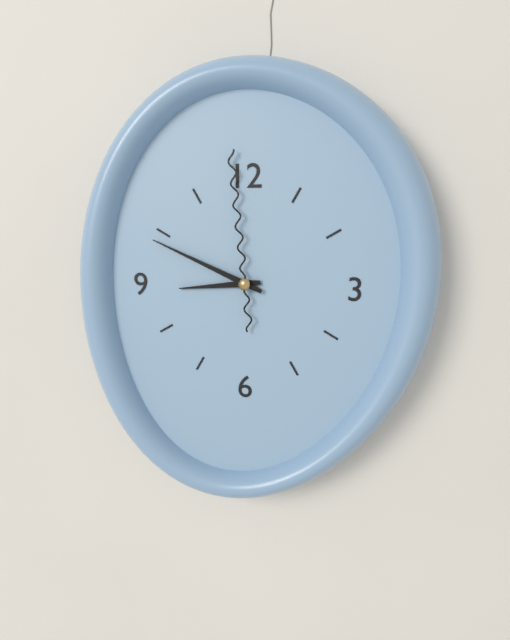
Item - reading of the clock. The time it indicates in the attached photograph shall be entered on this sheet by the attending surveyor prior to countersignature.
8:49:59
